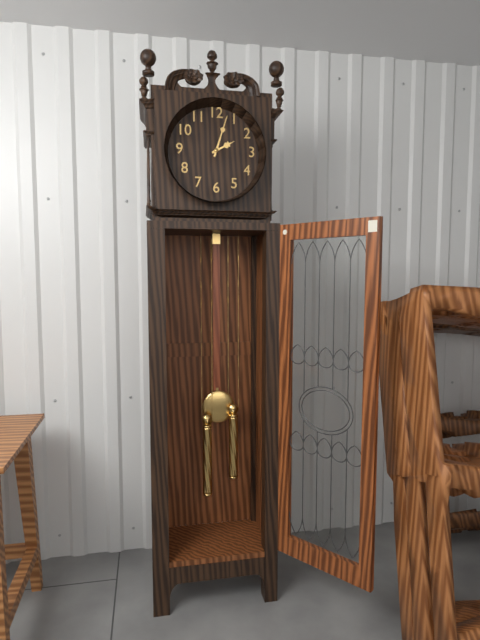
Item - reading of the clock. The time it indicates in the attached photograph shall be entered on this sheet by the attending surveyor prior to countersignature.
2:03
